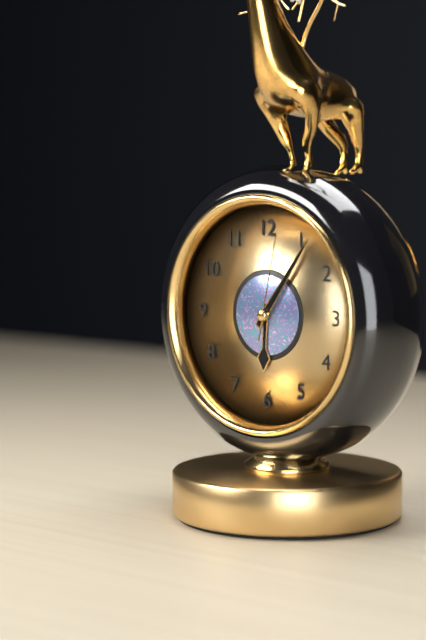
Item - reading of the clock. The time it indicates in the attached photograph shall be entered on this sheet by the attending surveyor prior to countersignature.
6:06:02
